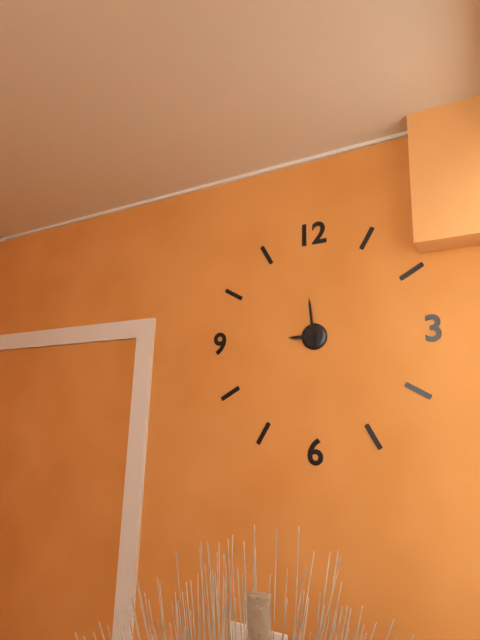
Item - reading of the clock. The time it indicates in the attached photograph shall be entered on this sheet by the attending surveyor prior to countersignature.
8:59
